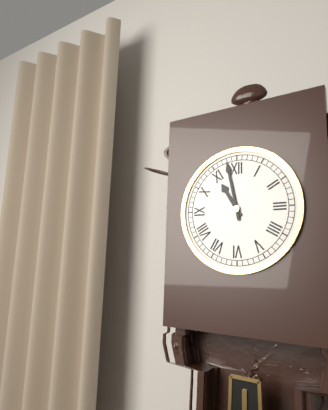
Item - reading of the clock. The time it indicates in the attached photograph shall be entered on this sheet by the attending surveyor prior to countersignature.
10:58
